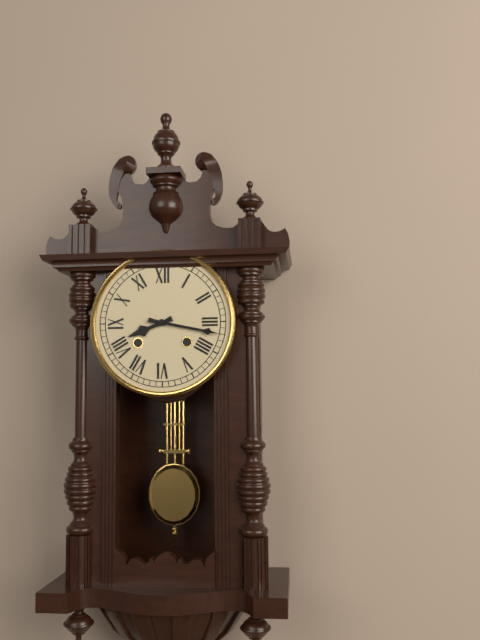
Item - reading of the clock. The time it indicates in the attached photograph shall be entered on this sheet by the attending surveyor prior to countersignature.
8:17
